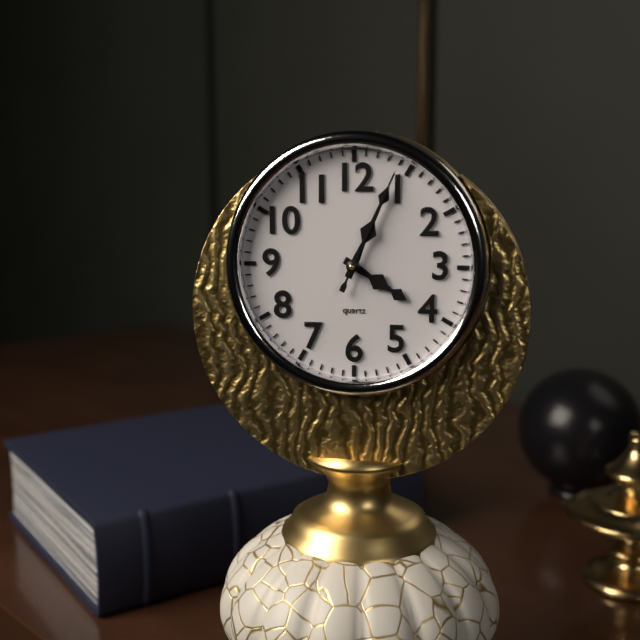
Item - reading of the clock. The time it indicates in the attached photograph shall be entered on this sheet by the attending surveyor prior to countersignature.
4:04:04
